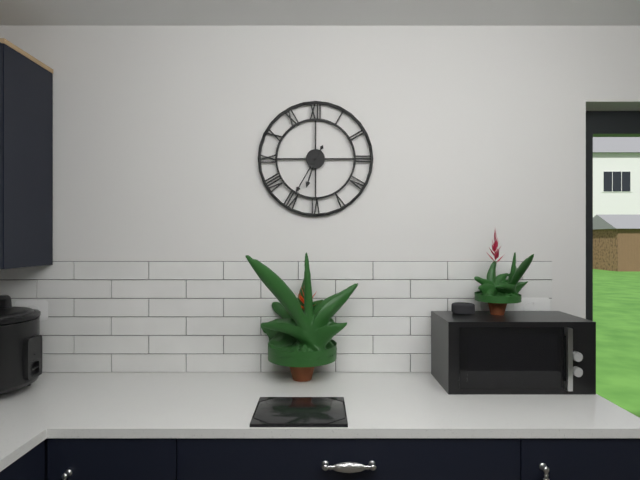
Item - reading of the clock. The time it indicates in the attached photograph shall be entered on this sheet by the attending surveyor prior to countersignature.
6:35
